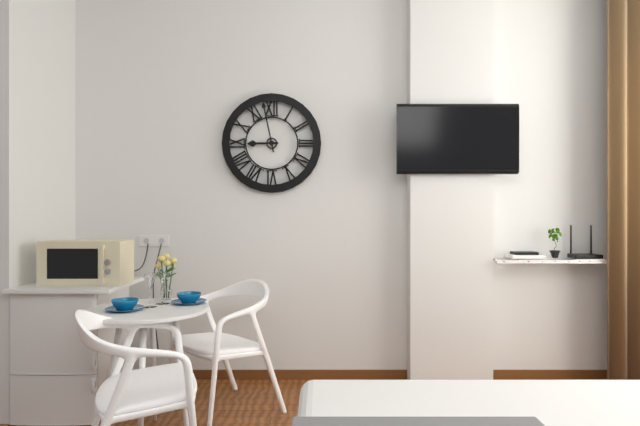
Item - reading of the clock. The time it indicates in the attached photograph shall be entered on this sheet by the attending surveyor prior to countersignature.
8:58
